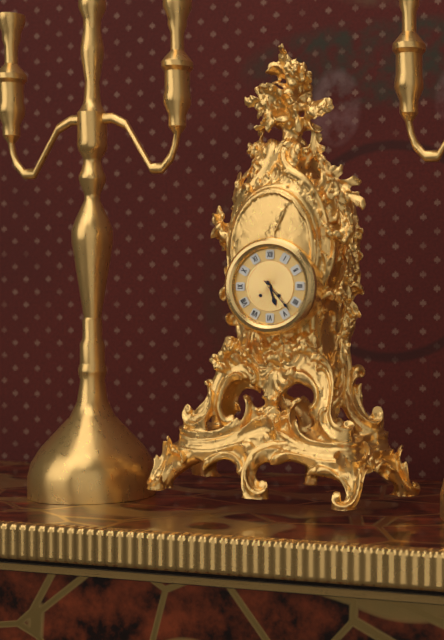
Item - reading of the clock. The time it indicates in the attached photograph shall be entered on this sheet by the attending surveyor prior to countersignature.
5:23
